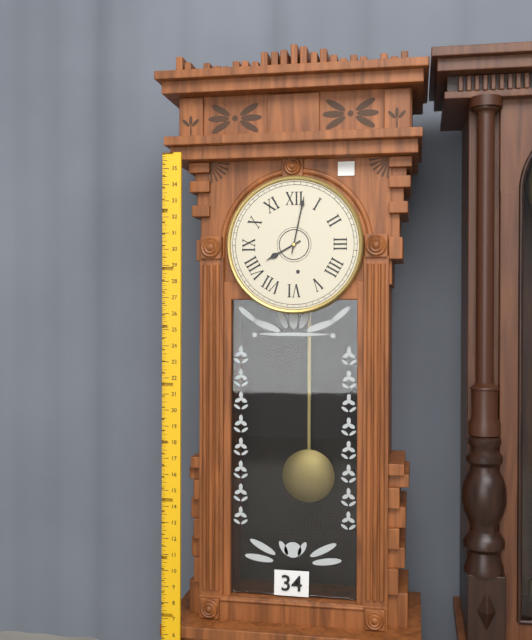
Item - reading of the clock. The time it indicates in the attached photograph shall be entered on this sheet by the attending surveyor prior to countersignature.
8:02
